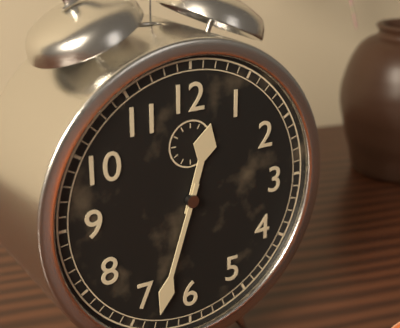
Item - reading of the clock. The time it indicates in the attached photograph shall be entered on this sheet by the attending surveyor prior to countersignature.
12:33
